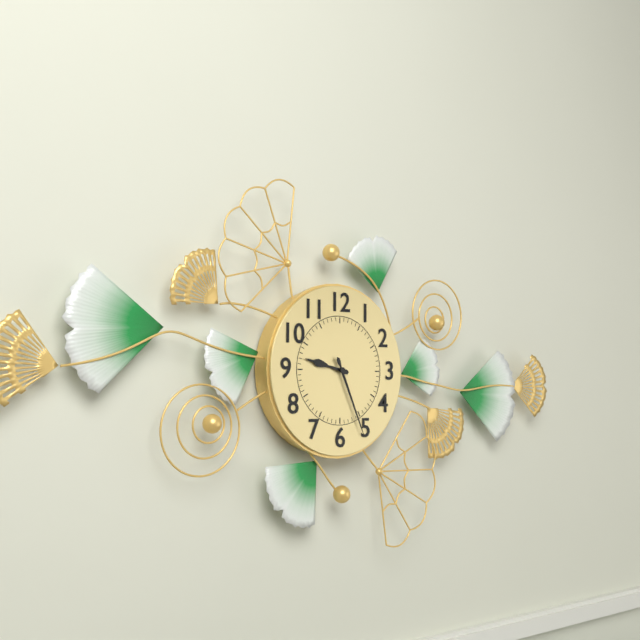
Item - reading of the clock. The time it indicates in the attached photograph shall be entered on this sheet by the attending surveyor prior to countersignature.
9:26
